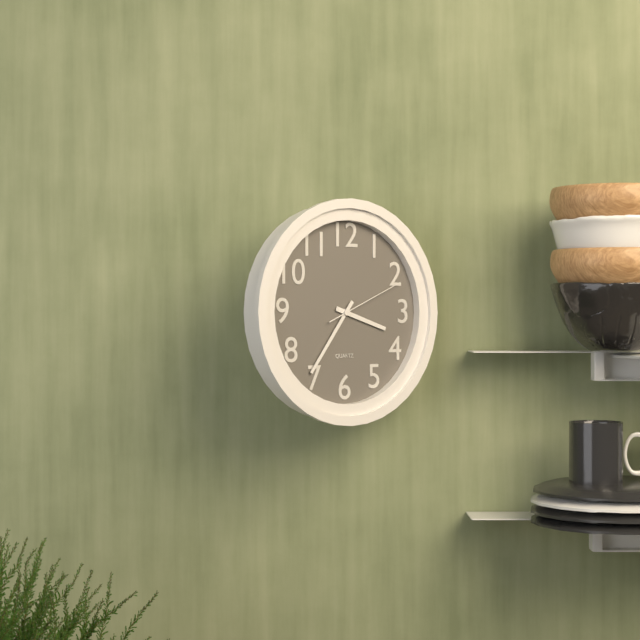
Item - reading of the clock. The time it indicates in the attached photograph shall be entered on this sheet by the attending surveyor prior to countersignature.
3:36:11
